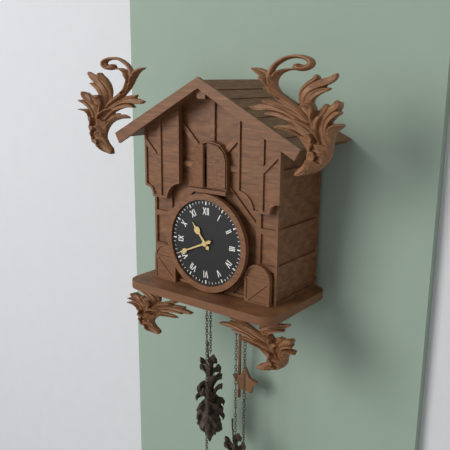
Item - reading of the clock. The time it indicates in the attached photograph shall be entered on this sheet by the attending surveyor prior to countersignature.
10:41
